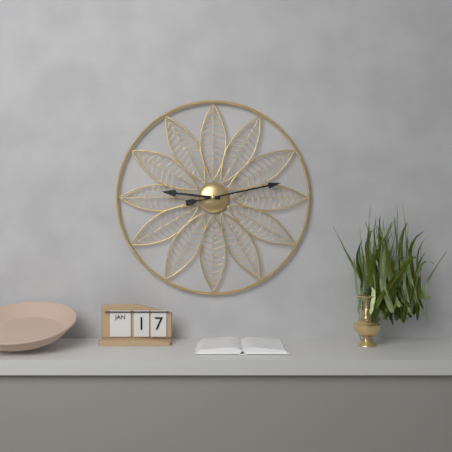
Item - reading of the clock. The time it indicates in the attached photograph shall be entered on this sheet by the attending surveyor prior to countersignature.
9:13
